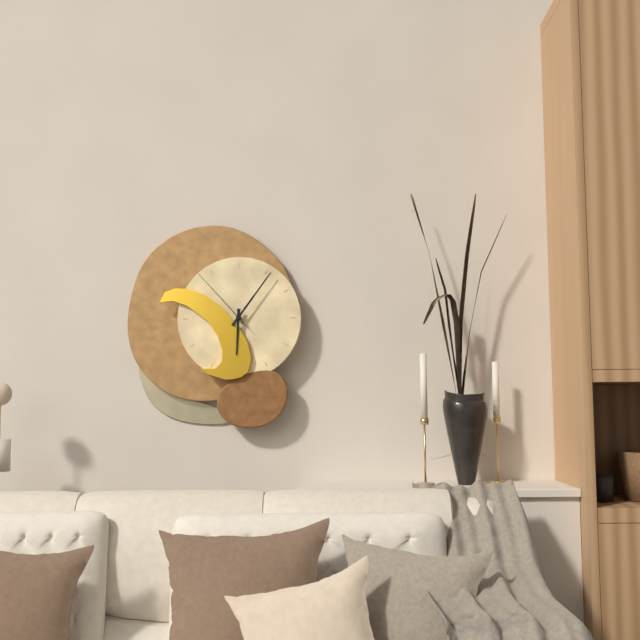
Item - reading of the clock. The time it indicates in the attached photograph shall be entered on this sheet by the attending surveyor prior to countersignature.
6:06:53
